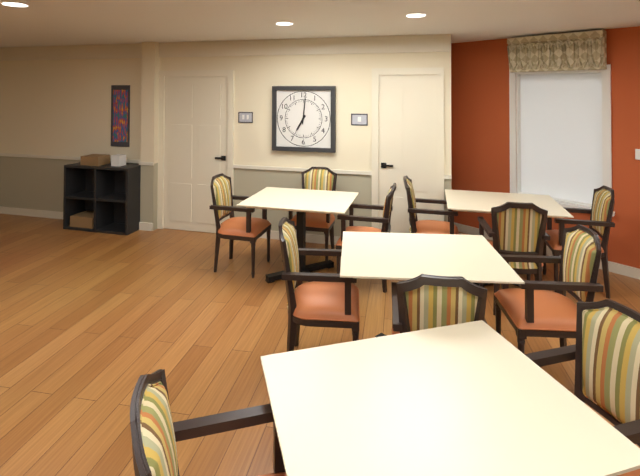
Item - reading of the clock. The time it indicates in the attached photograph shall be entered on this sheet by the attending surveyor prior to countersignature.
7:01
